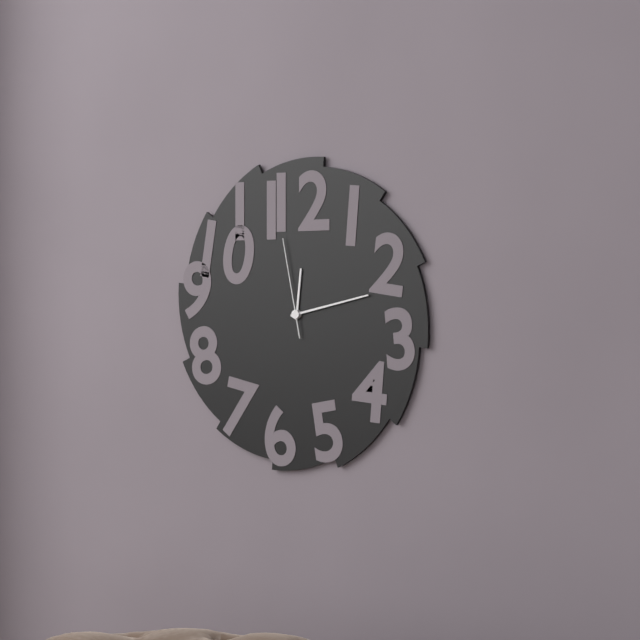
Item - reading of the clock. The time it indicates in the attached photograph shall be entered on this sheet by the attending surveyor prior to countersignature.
12:13:58
